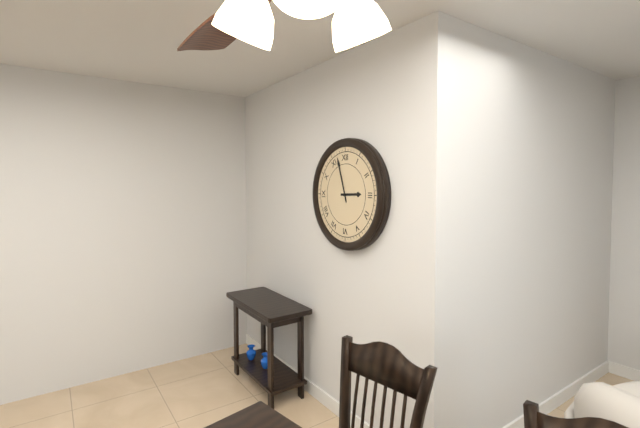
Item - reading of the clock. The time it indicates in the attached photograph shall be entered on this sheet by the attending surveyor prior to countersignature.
2:57
